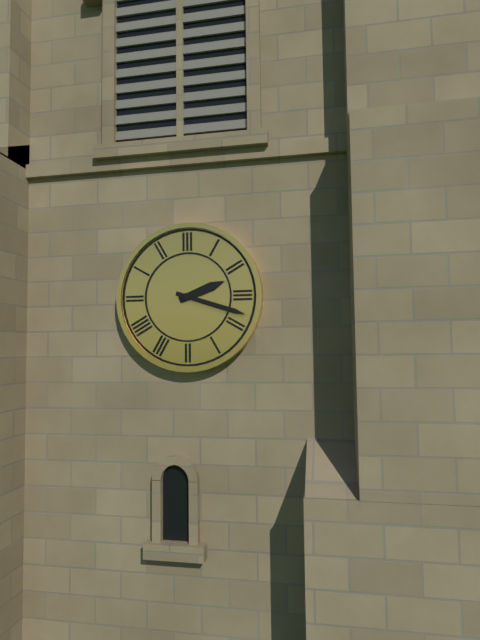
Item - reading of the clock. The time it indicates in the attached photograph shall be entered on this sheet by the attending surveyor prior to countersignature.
2:18
